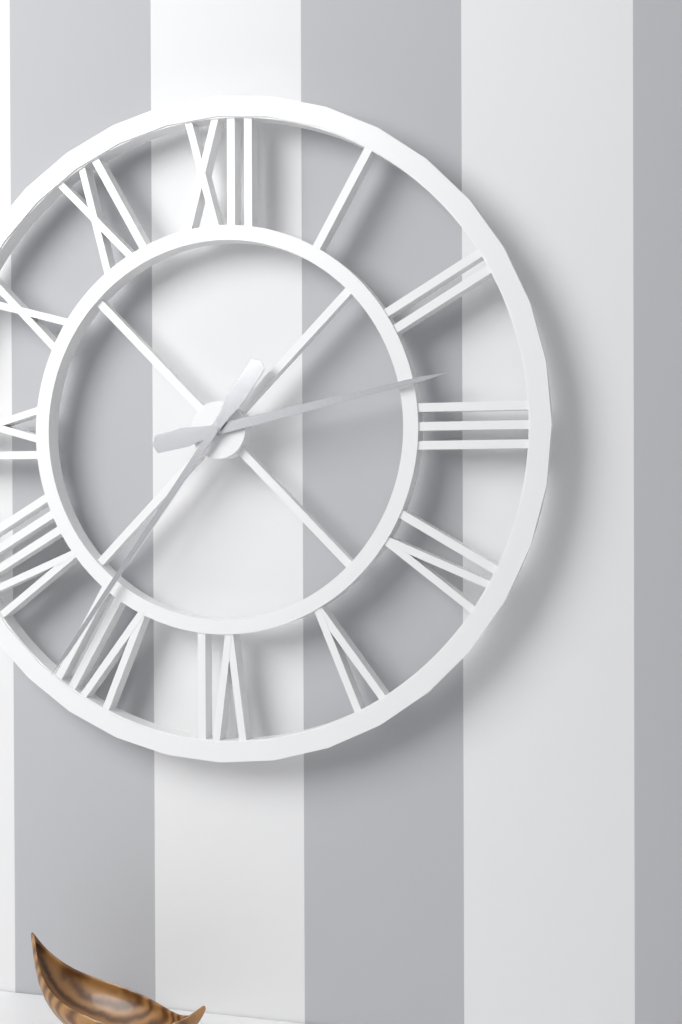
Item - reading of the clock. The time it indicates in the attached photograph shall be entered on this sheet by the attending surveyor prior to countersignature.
2:36
